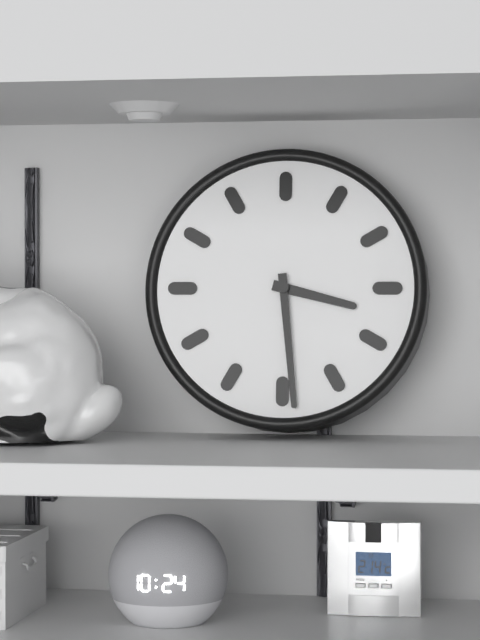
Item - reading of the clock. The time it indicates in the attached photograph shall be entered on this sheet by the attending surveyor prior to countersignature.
3:29
